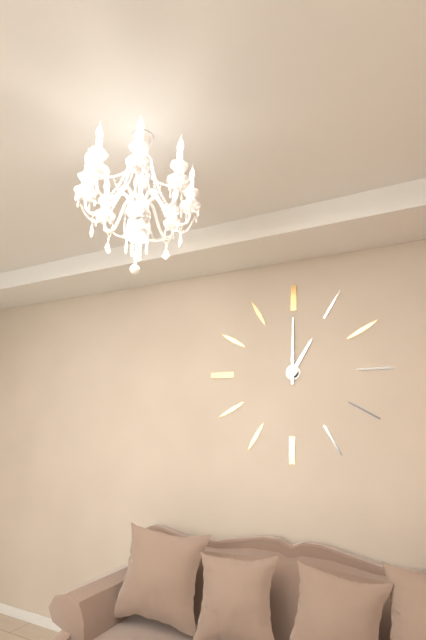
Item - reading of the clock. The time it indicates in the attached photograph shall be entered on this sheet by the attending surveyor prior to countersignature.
1:00
